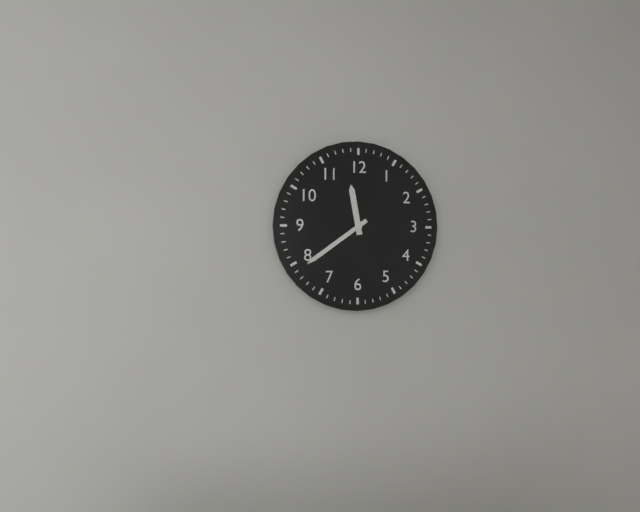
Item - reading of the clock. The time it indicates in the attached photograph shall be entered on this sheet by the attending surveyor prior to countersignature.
11:39
